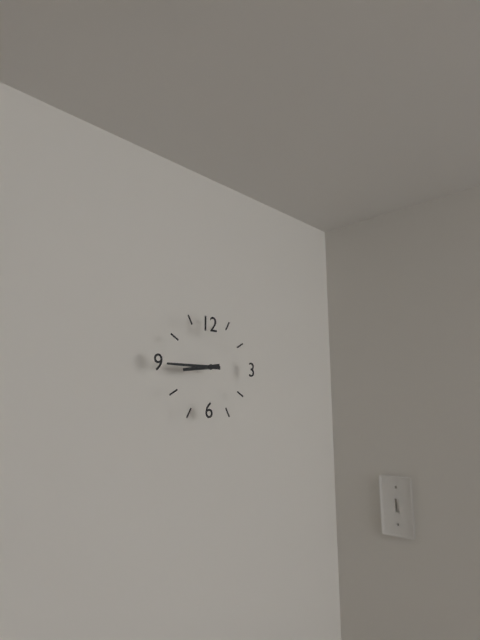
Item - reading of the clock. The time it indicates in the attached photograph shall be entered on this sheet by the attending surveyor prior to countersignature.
8:45
